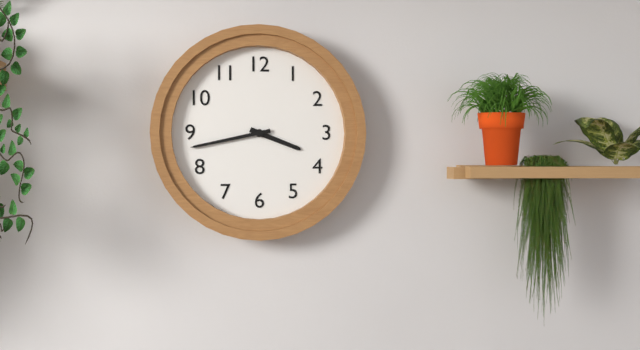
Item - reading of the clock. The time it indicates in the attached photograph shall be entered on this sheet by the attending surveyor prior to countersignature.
3:43
